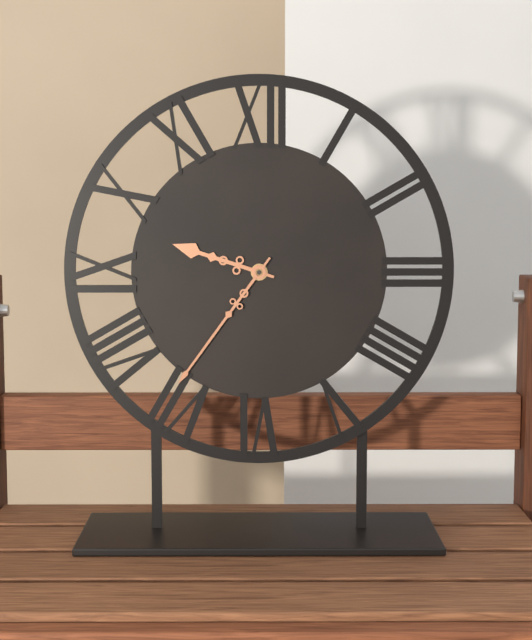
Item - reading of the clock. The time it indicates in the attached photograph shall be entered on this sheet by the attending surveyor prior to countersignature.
9:36
